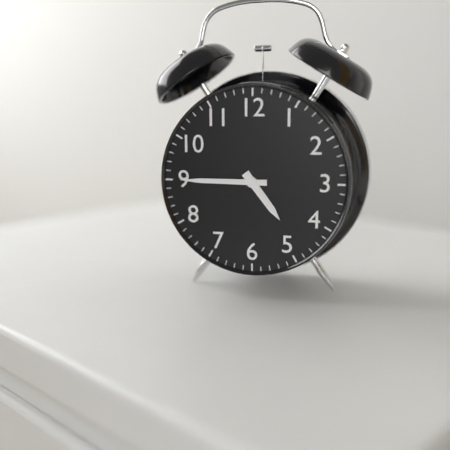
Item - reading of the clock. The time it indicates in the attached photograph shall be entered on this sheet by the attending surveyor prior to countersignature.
4:45
